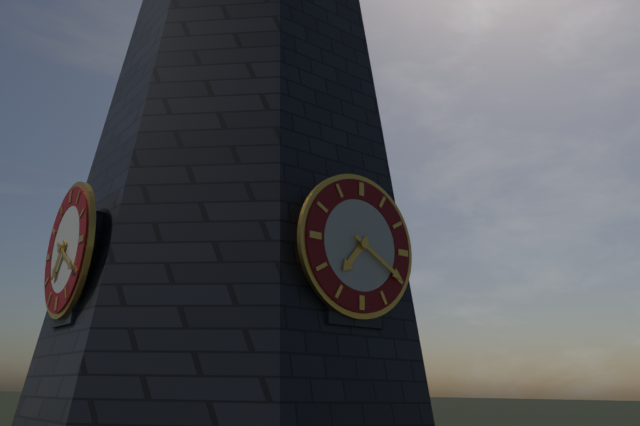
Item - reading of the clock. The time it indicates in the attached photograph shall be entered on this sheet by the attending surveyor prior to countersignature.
7:20
